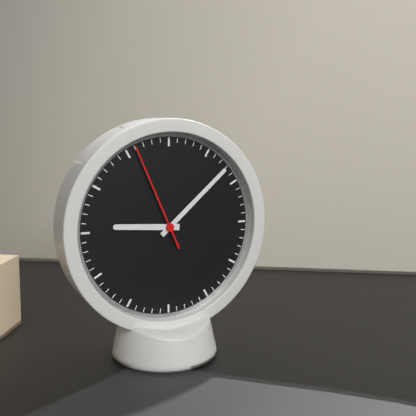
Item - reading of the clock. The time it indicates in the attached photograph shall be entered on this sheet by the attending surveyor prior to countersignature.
9:08:56
